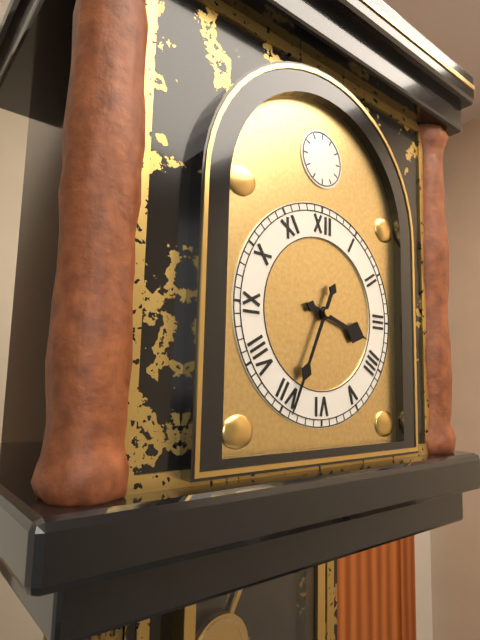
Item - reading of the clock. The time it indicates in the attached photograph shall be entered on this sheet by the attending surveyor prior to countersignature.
3:34
